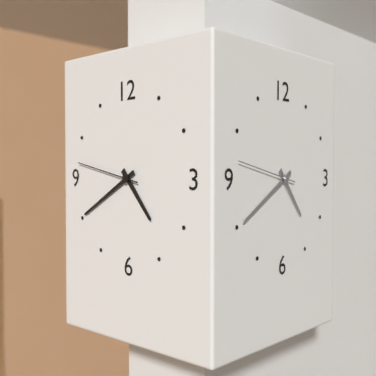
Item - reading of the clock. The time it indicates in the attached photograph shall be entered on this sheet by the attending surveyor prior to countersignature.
4:40:47
